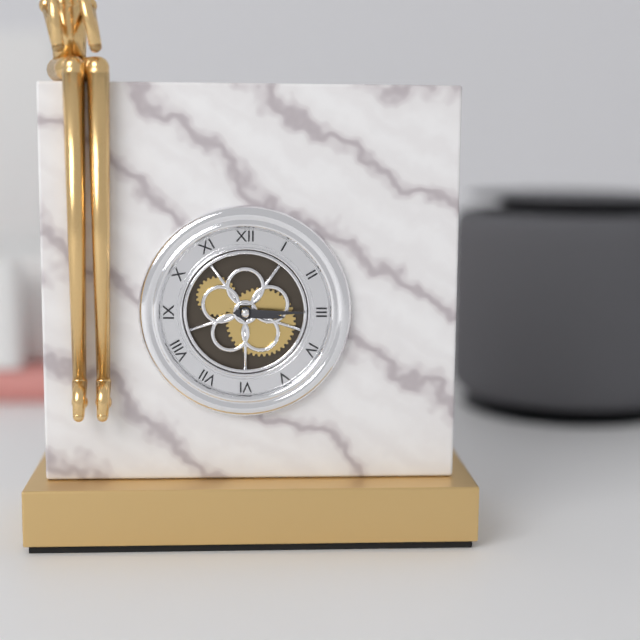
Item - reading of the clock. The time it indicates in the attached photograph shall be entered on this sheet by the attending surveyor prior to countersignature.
3:15
